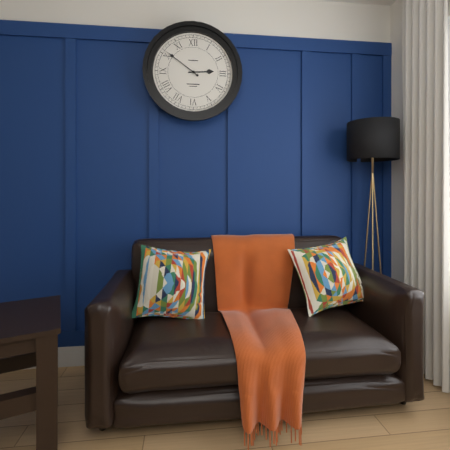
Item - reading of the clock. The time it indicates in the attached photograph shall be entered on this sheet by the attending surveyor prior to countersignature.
2:51
